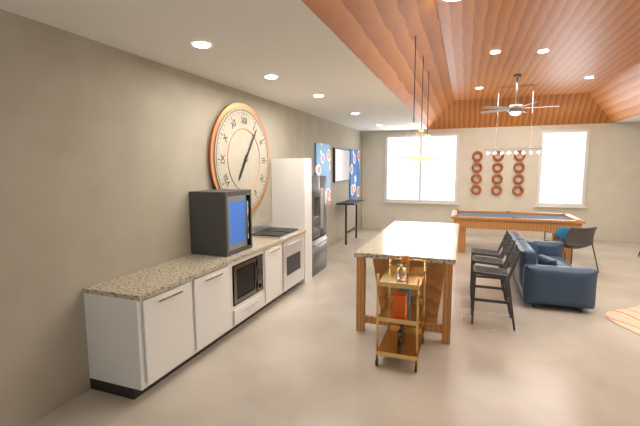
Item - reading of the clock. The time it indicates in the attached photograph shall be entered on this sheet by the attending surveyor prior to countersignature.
7:06
